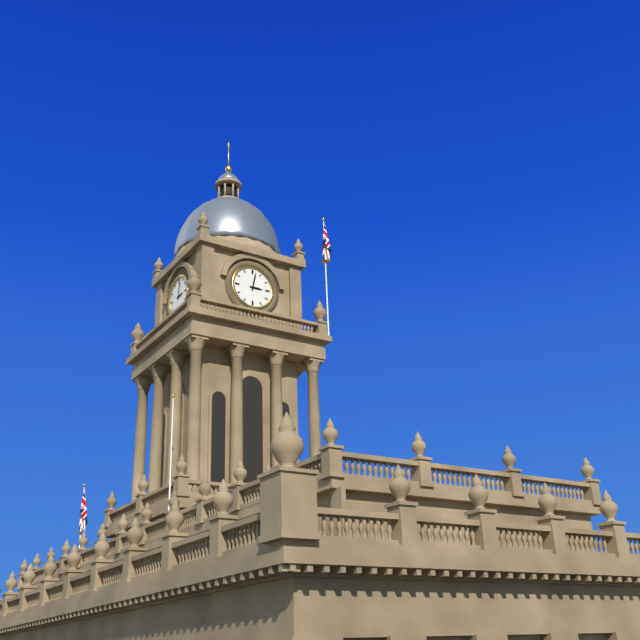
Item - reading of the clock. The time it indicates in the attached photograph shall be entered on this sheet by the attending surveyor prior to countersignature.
3:02
